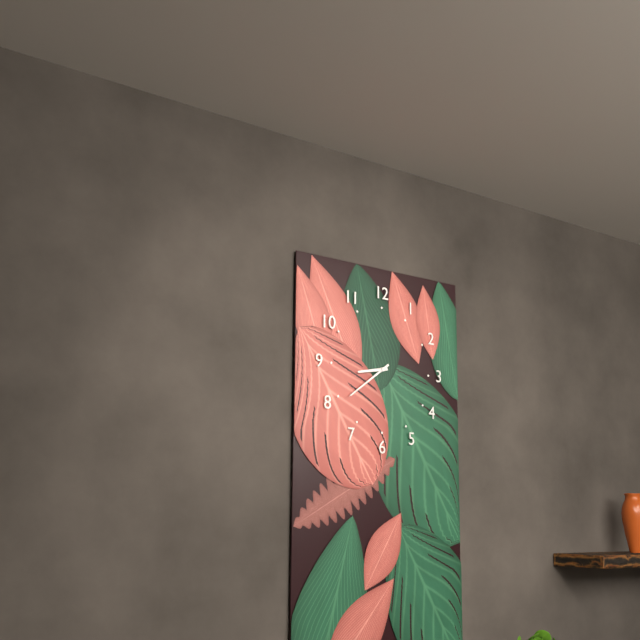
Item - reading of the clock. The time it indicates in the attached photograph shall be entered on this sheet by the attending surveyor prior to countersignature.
8:39
